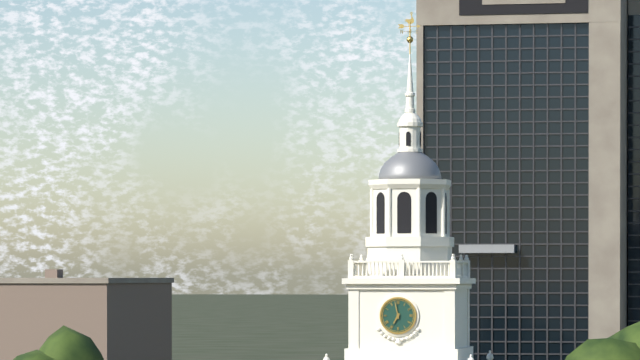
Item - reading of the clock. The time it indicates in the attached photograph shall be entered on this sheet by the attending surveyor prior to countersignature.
6:58
